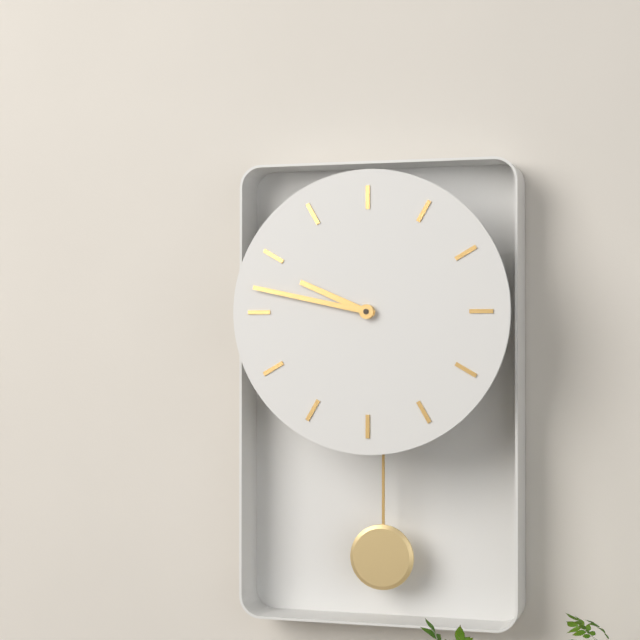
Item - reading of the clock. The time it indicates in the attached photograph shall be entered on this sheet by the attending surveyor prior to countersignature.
9:47
